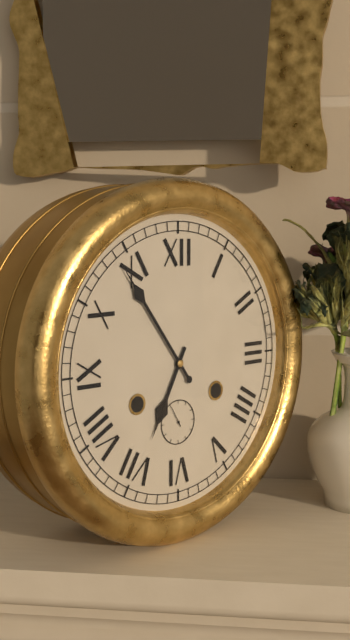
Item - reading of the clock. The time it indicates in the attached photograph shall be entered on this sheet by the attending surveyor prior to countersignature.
6:54
